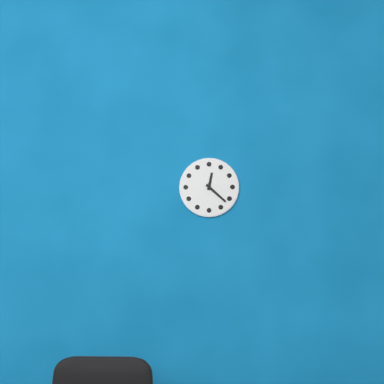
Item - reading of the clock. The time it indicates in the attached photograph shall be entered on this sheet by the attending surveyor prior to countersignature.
12:22
